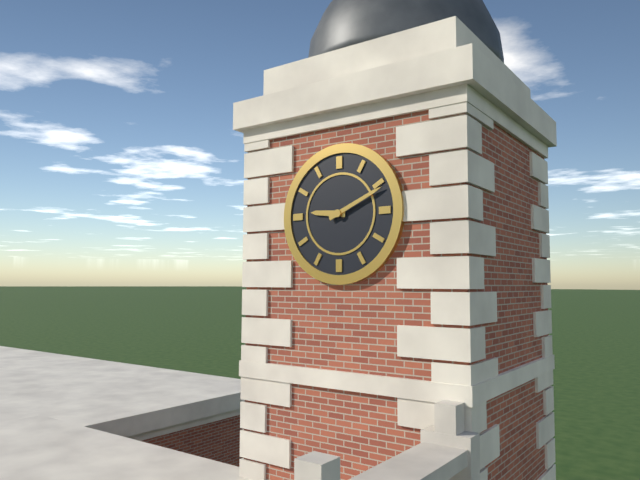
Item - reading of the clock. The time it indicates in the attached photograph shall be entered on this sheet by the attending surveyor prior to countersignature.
9:11
